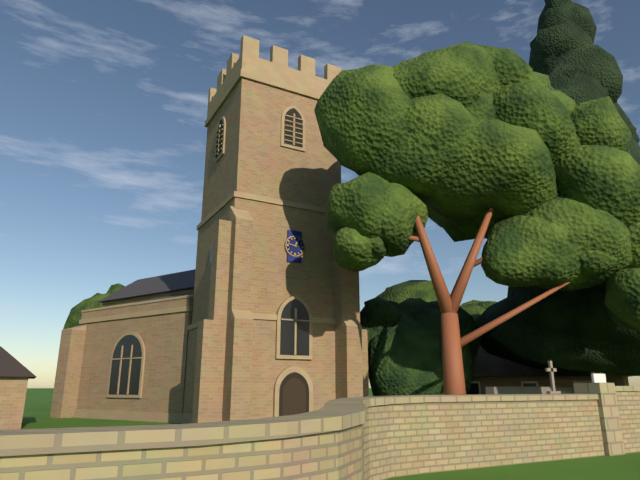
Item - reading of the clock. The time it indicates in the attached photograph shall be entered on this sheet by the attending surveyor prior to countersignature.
12:47
